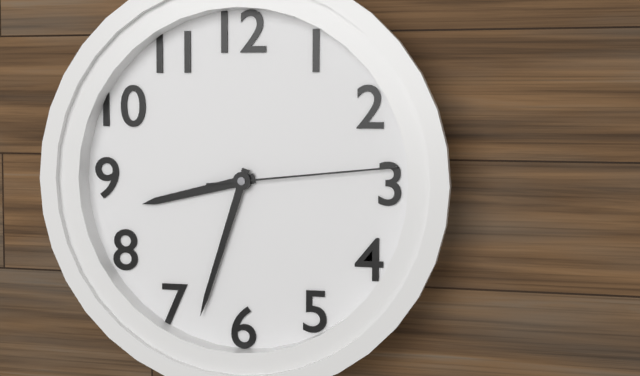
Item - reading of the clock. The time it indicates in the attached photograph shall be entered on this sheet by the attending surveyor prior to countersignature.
8:33:14
